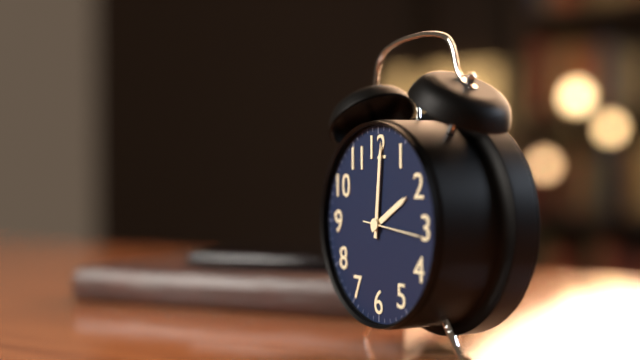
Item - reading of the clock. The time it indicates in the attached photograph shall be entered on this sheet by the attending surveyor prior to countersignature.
2:01:16
